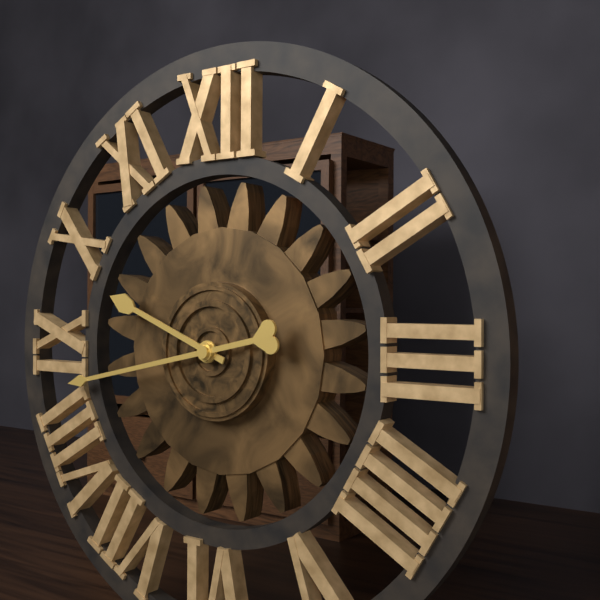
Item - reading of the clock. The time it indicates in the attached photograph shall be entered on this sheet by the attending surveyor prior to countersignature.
9:43
